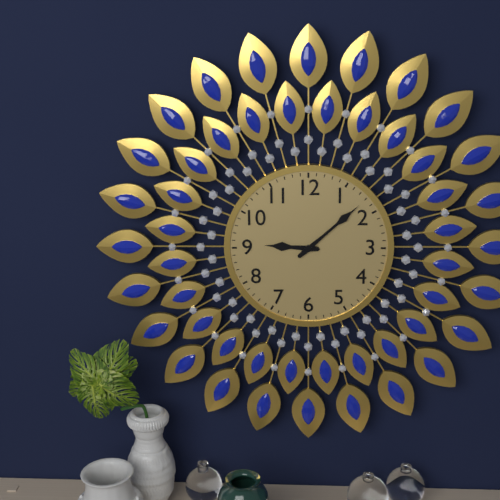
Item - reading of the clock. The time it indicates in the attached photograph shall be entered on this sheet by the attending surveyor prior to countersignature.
9:08
